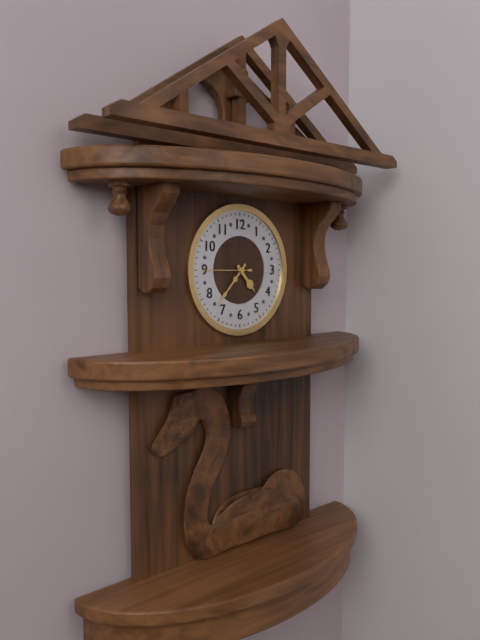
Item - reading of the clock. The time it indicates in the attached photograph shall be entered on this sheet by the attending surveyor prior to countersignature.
4:37
